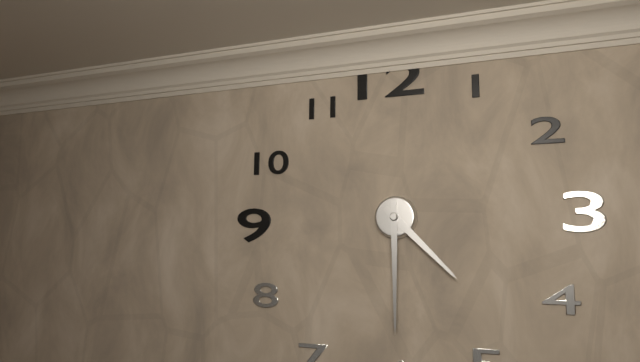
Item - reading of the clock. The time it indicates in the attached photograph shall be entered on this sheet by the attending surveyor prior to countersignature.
4:30
